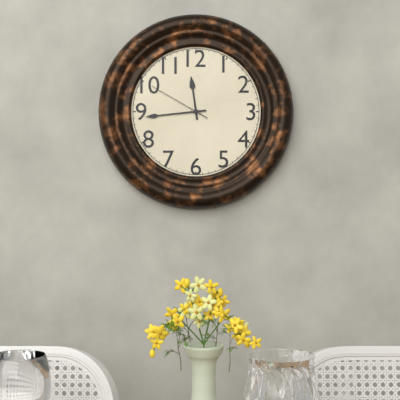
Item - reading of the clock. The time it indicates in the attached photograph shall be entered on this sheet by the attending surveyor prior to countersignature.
11:44:50
